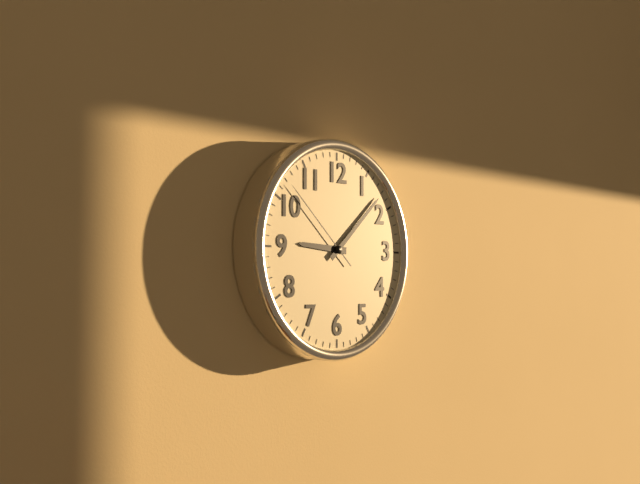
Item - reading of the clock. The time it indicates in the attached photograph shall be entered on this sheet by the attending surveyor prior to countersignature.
9:08:52
